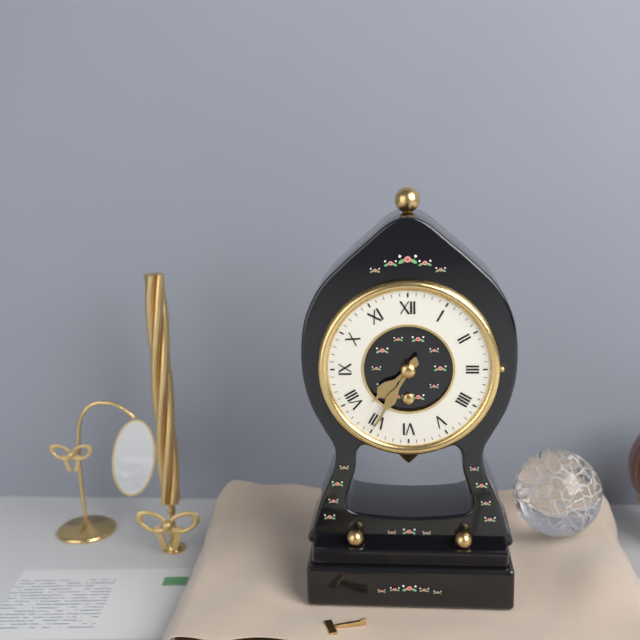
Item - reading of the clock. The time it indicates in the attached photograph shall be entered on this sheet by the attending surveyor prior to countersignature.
7:35
